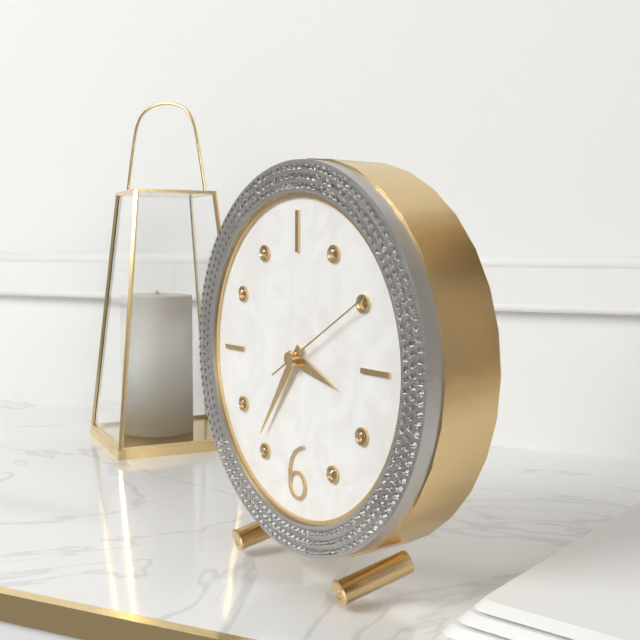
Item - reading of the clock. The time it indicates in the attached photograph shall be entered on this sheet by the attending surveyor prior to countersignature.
3:36:10
